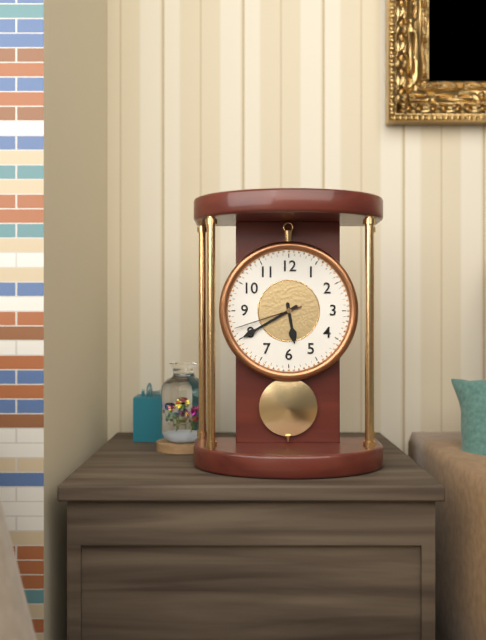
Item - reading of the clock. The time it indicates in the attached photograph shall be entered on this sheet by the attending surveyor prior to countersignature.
5:40:42
